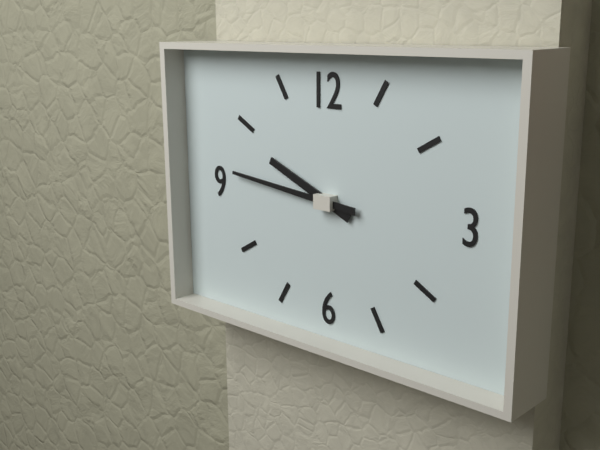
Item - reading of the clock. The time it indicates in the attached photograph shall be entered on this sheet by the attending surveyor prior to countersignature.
9:46
